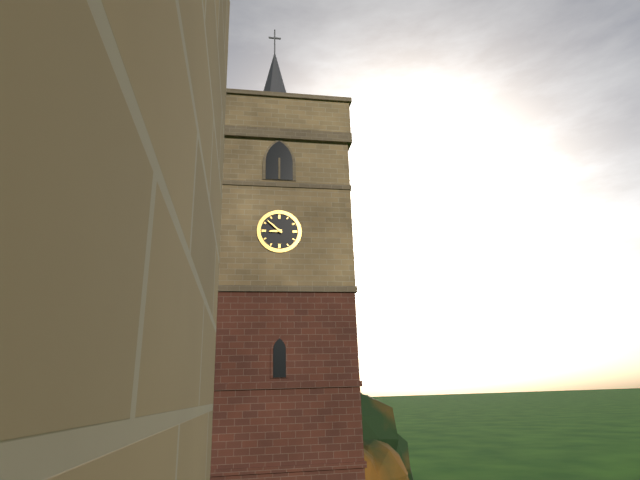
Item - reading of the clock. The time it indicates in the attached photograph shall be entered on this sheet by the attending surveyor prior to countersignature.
8:52
